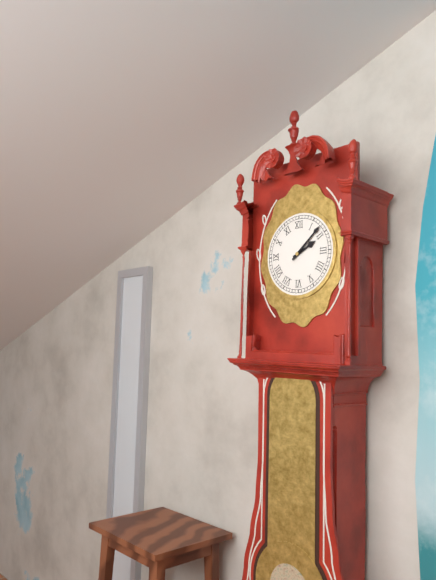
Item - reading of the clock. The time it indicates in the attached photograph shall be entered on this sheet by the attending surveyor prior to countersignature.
2:08
